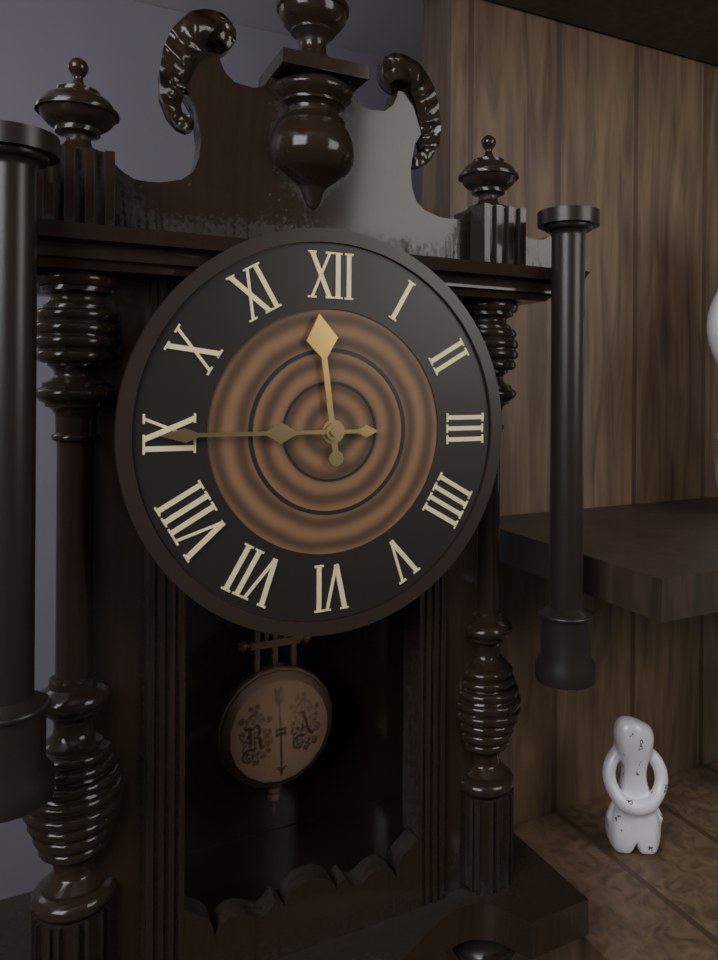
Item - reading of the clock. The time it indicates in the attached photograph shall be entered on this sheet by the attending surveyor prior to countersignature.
11:45
